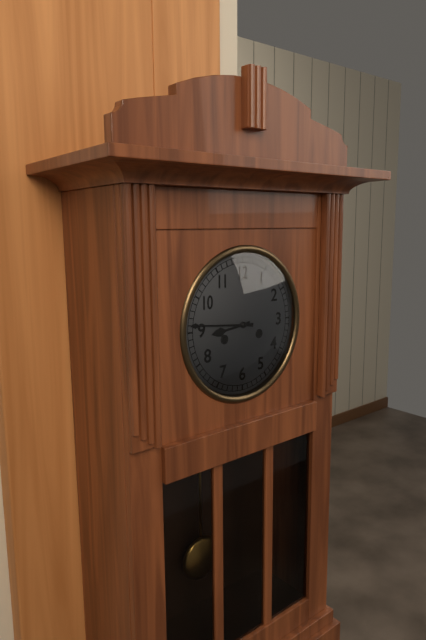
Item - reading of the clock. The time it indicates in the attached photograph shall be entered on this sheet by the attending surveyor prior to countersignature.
8:46
